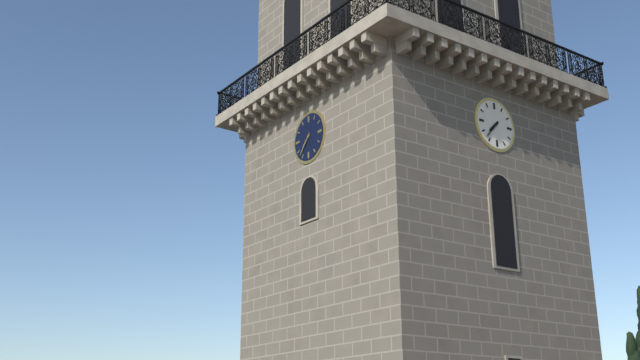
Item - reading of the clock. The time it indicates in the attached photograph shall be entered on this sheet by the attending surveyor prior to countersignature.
7:37
